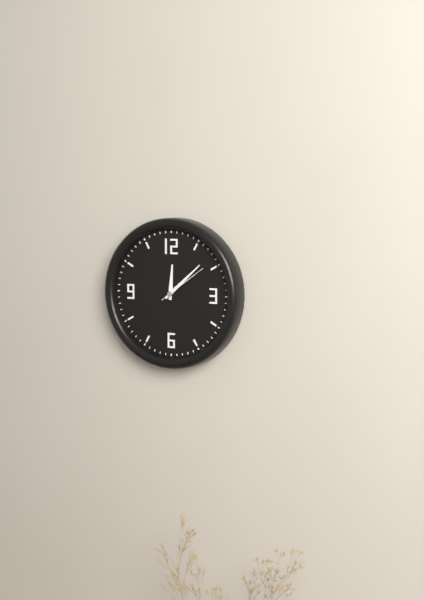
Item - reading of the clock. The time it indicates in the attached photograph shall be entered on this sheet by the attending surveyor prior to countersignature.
12:08:09
